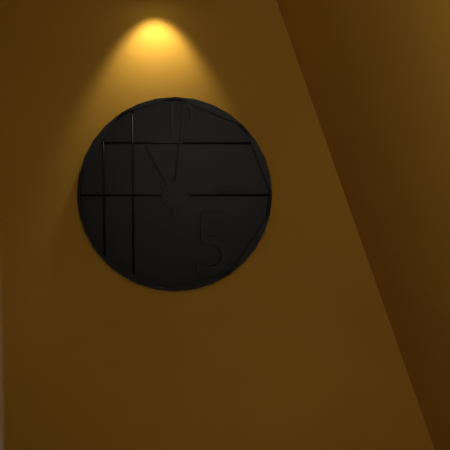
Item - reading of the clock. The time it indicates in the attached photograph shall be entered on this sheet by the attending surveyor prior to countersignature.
11:01
